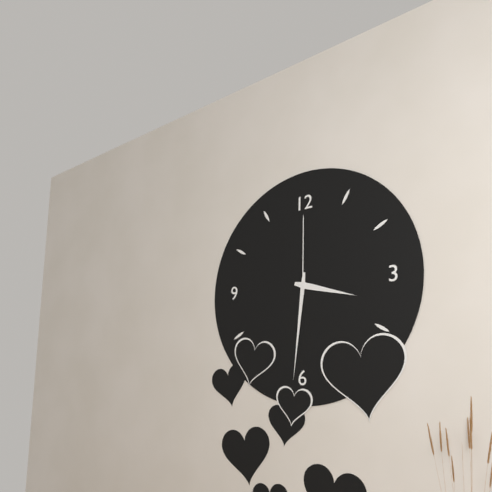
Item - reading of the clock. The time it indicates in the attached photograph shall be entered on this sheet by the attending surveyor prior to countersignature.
3:31:00
